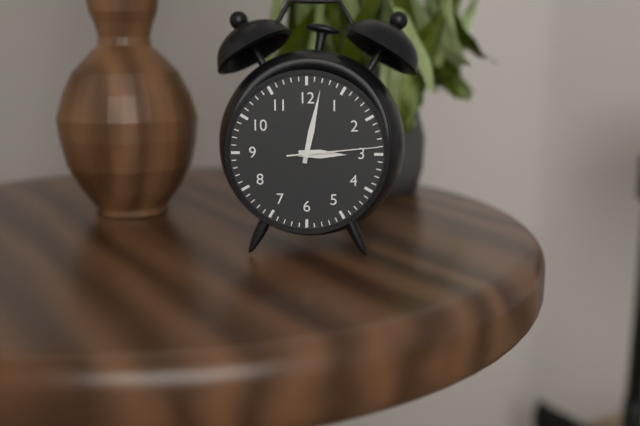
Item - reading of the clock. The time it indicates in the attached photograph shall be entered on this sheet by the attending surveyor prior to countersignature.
3:02:14
